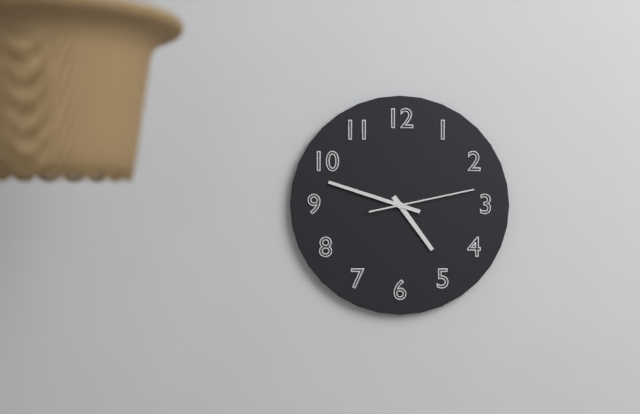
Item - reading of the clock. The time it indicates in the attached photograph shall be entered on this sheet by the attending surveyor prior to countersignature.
4:48:13
